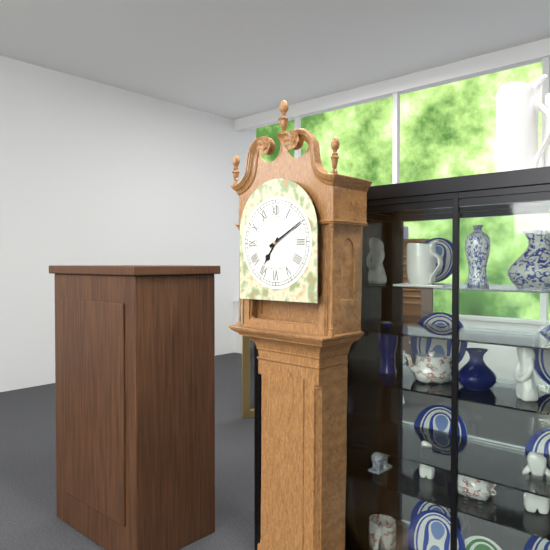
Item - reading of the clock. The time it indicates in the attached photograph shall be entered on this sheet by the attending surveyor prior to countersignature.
7:10
